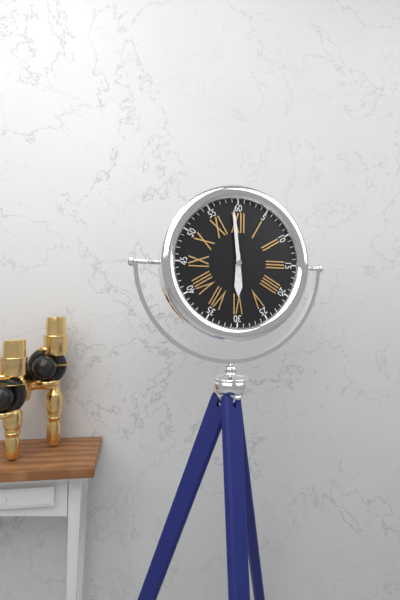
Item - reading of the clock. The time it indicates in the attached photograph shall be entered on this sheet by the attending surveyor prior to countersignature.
5:59
